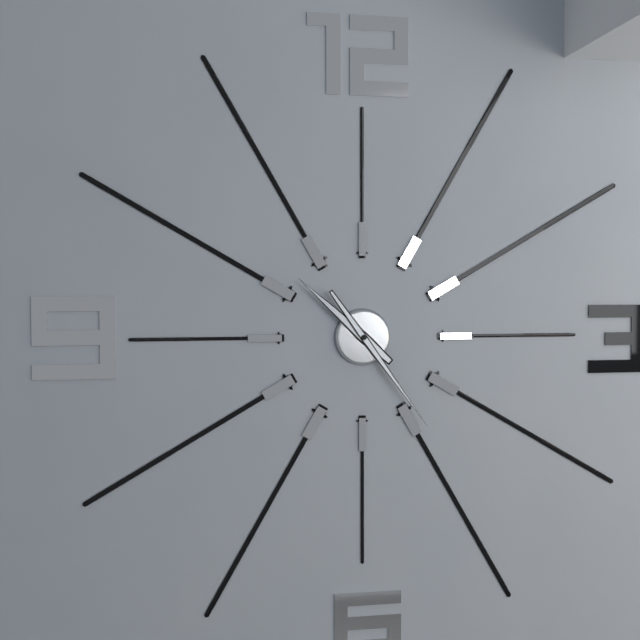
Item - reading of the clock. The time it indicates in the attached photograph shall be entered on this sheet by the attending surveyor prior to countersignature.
10:24
